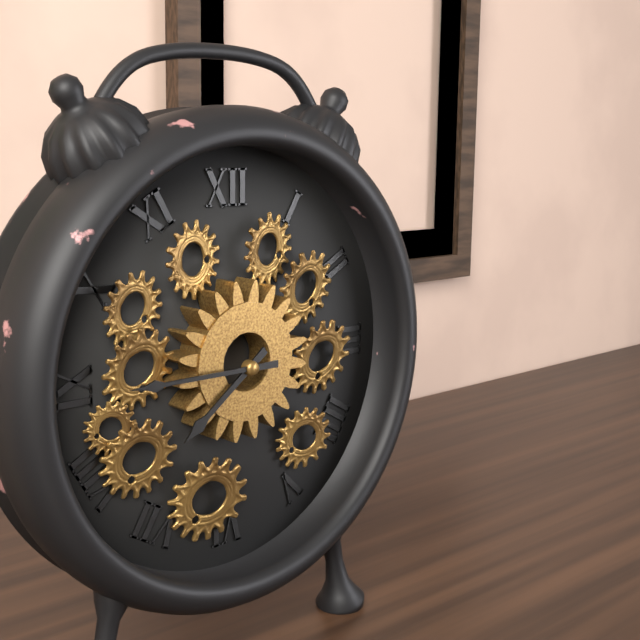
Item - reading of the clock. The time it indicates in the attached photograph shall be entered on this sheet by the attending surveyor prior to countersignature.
7:45
